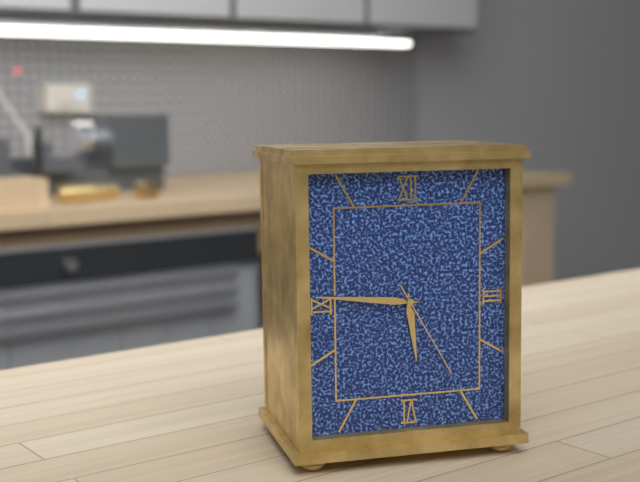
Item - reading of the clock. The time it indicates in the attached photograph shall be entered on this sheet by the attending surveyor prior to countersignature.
5:46:25
